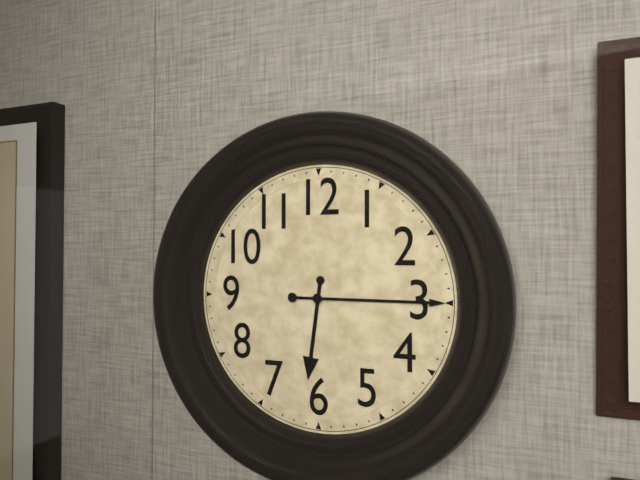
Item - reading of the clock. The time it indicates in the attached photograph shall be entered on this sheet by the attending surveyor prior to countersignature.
6:15
